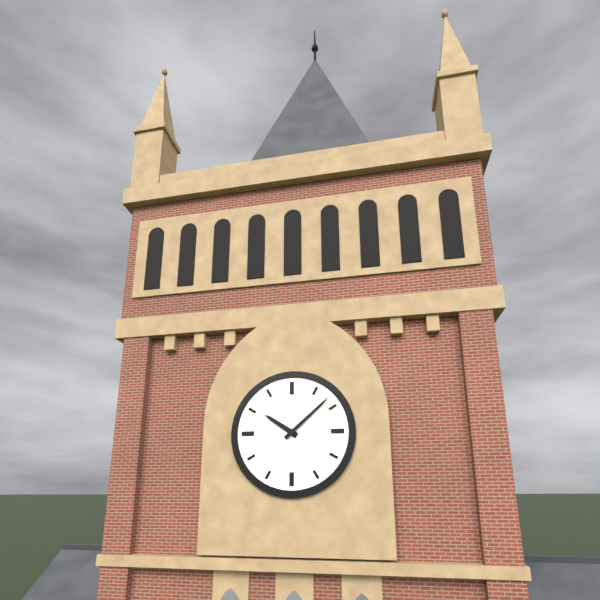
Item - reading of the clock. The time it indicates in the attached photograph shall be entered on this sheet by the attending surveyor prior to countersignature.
10:08
